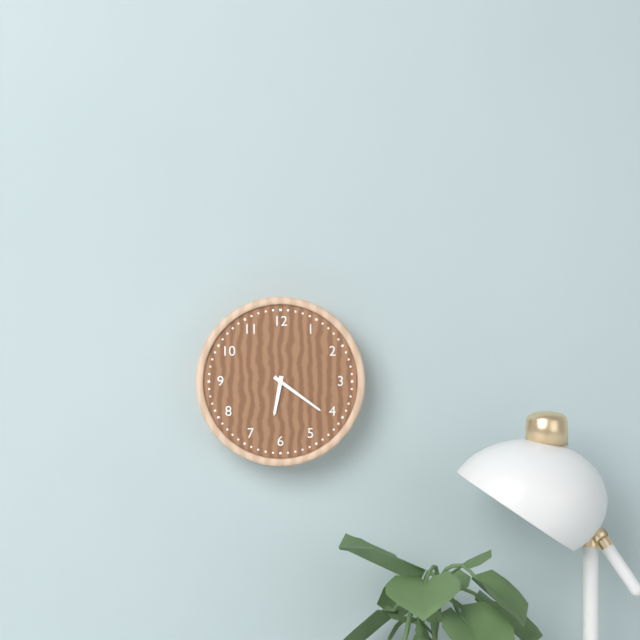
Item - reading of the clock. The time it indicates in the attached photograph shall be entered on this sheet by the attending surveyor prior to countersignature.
6:21
